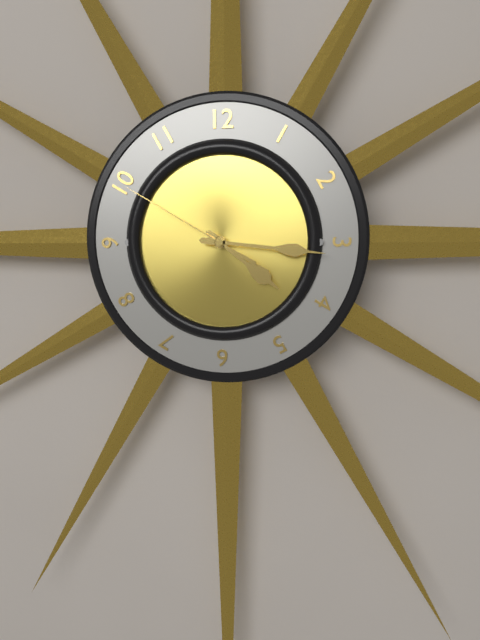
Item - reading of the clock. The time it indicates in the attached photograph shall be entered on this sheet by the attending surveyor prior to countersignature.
4:16:50
